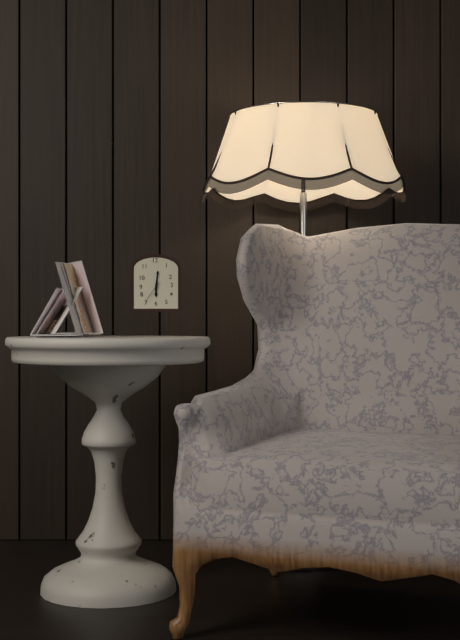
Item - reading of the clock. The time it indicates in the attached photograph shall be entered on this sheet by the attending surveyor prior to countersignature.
6:01
